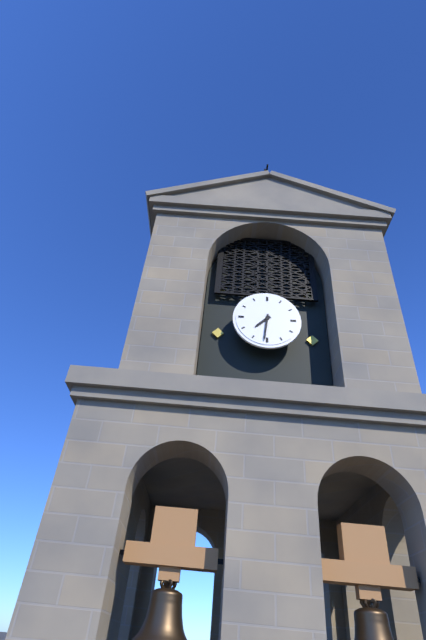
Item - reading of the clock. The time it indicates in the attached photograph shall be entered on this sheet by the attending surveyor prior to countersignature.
7:31
